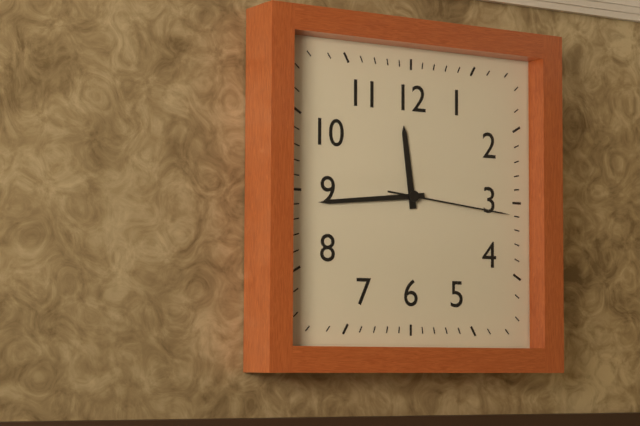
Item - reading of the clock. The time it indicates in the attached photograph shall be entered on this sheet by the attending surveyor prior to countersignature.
11:44:16
